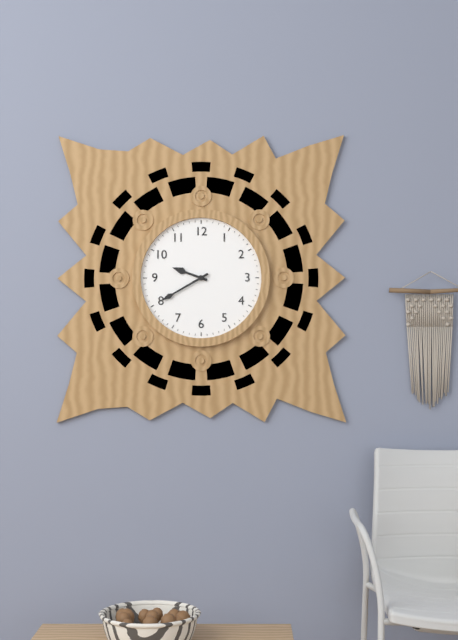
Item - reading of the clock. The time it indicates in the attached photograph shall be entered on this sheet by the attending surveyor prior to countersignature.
9:40
